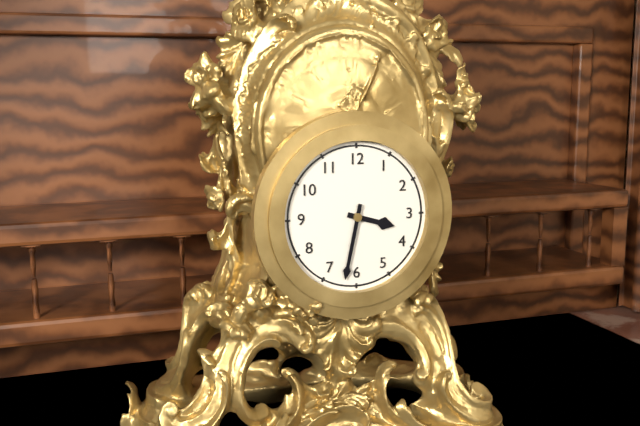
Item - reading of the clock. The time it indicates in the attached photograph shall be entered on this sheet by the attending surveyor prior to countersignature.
3:32
